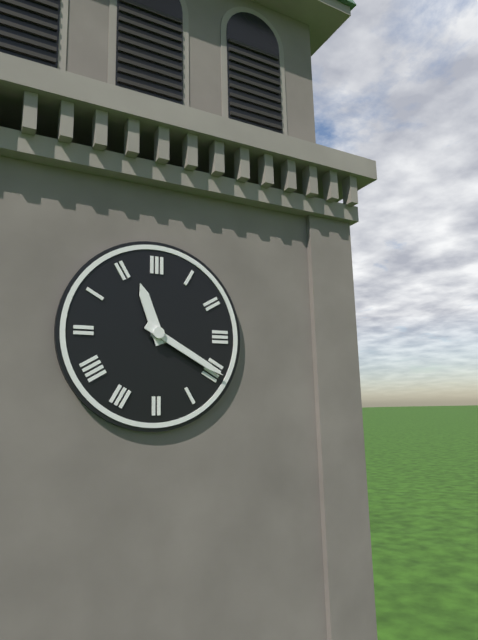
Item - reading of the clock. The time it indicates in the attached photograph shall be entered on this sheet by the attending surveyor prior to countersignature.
11:20
